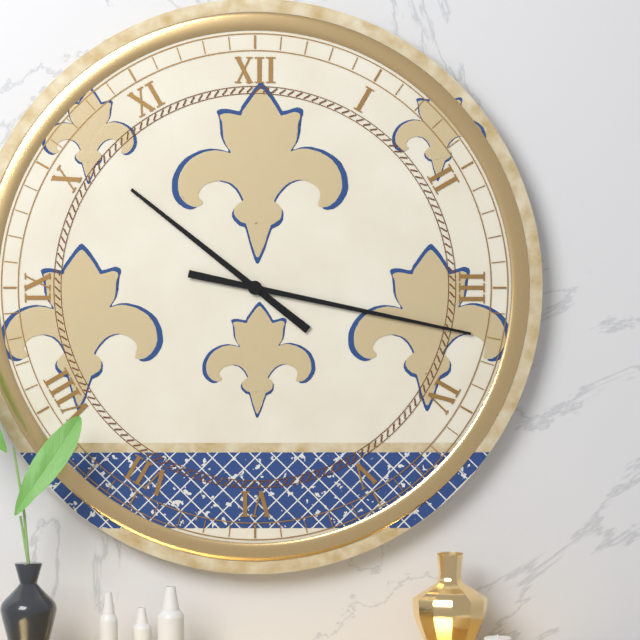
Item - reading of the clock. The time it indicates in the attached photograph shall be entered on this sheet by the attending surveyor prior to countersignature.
10:17
